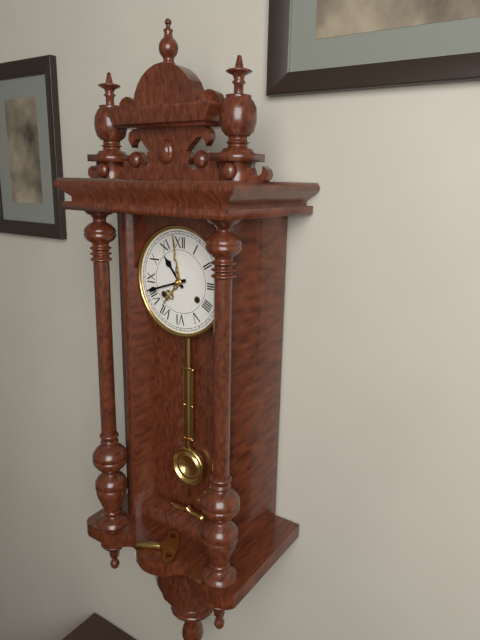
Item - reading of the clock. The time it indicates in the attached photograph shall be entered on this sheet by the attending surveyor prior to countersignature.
10:42
